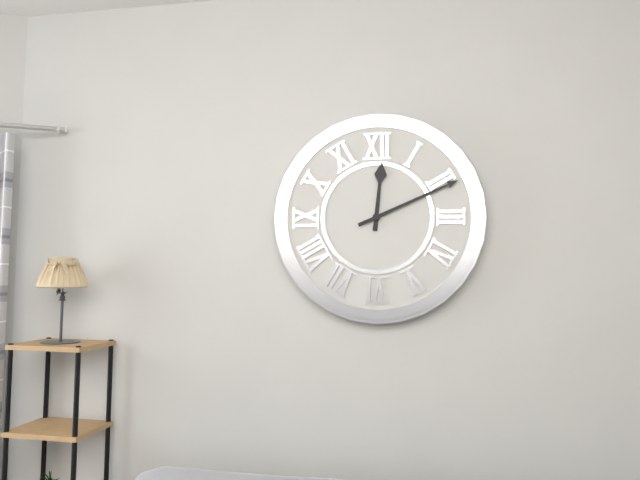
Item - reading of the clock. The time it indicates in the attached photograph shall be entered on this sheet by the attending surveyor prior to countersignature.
12:11
